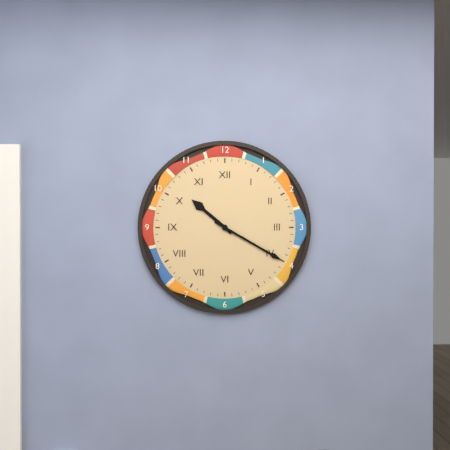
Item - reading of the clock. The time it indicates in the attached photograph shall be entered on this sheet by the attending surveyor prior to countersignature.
10:20
